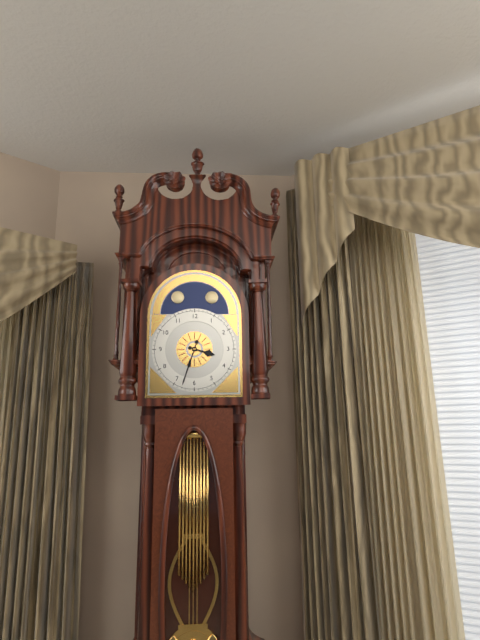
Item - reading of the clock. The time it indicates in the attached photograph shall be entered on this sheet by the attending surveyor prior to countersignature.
3:33
